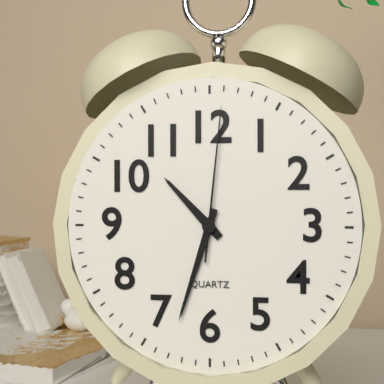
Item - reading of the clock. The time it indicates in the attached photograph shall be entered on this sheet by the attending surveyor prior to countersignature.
10:33:01
